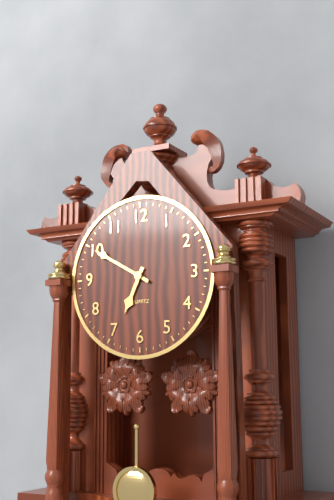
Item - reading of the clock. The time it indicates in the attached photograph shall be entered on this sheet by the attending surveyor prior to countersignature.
6:50
